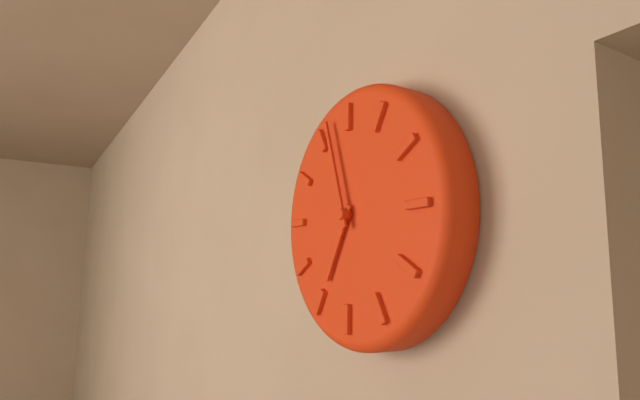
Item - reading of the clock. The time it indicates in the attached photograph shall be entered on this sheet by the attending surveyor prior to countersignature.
6:57
